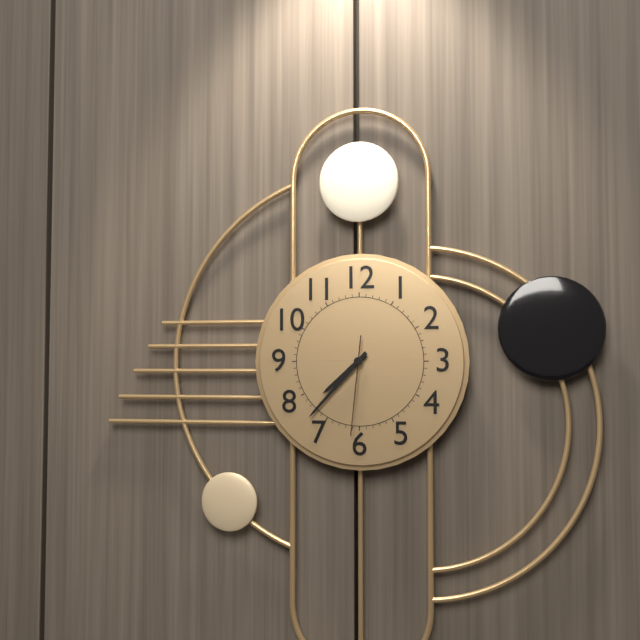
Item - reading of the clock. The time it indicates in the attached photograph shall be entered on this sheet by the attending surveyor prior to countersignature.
7:37:31
